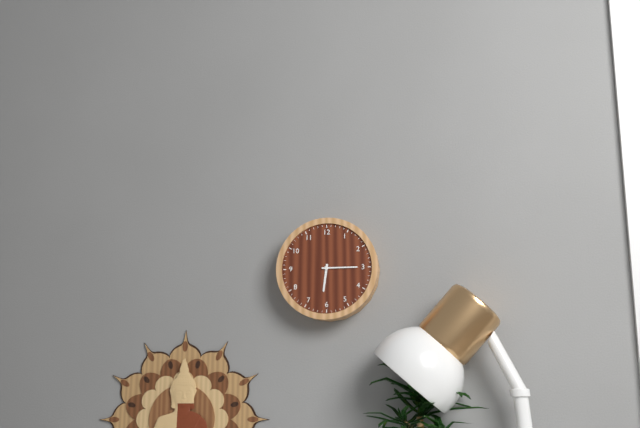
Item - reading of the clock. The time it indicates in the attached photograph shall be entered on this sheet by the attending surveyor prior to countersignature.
6:15
